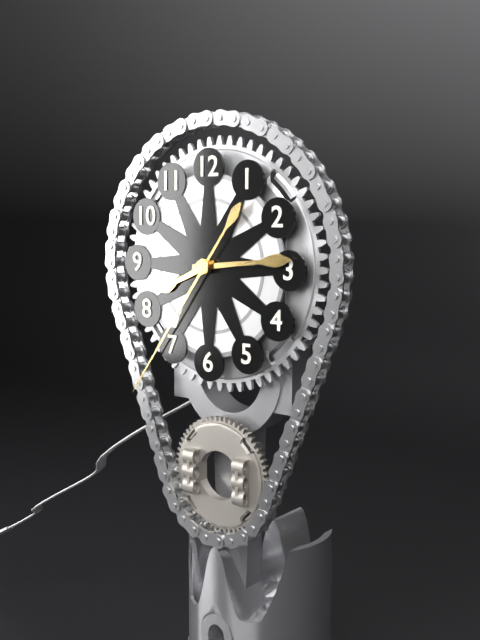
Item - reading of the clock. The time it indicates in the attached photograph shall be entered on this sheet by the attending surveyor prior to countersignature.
8:14:36
